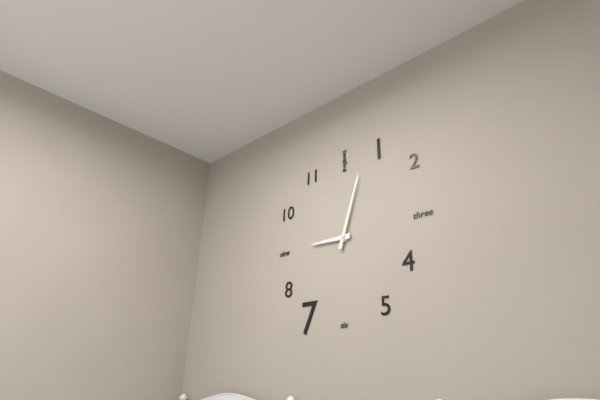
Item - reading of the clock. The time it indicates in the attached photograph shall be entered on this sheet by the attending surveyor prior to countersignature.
9:03
